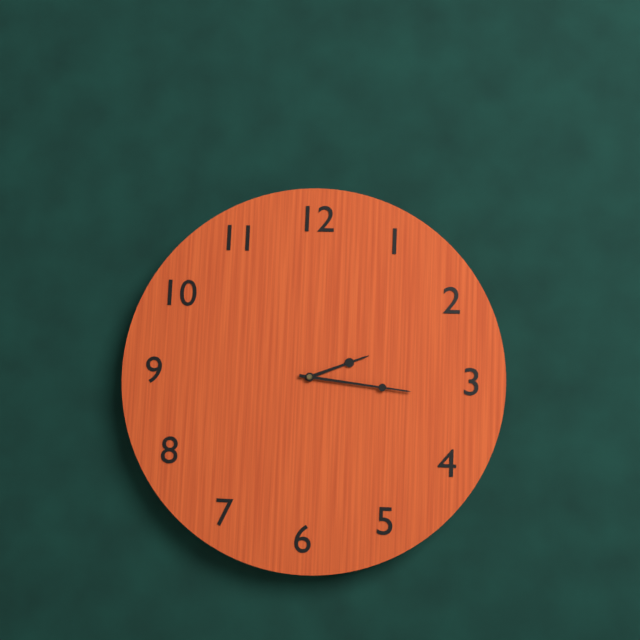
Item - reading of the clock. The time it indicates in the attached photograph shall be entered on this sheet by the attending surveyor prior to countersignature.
2:16
